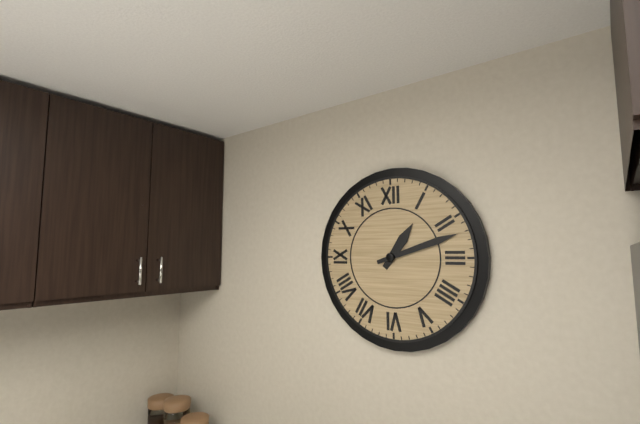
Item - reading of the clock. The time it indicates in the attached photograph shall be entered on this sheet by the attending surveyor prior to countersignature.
1:12
